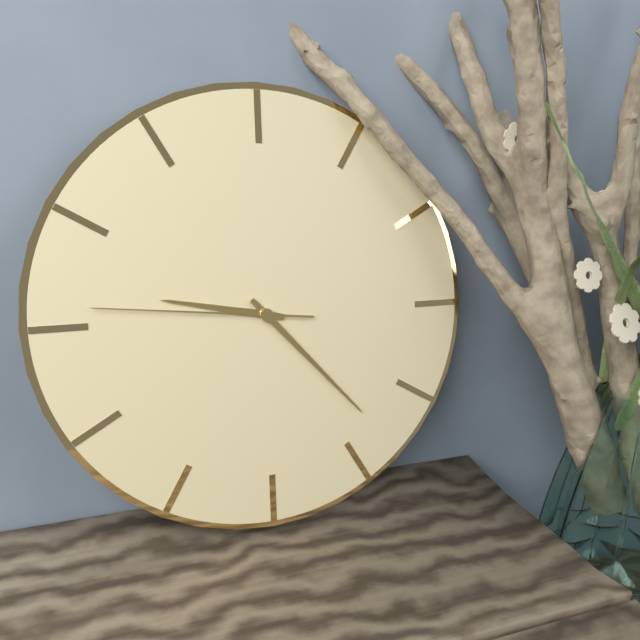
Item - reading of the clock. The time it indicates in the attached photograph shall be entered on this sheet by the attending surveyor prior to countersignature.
9:23:46
